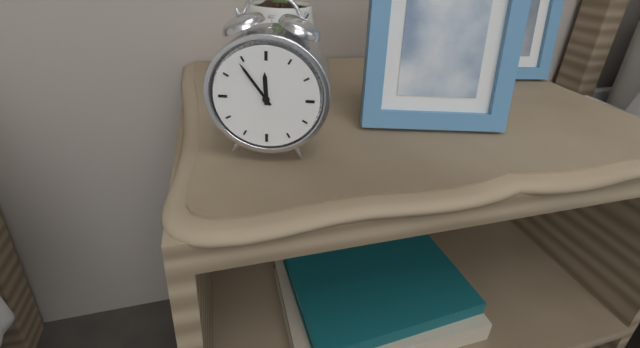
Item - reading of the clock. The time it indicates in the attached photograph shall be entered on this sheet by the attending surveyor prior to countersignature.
11:54
